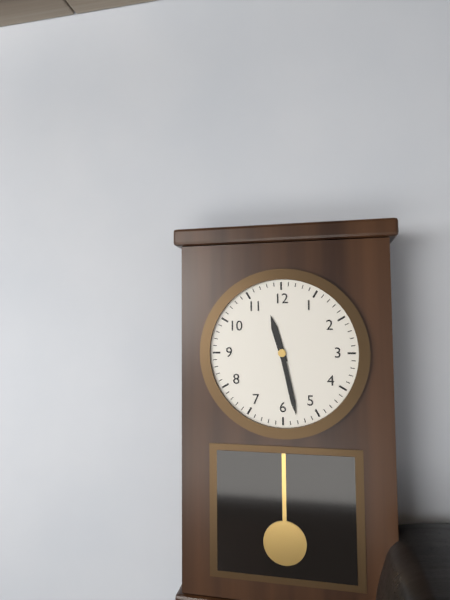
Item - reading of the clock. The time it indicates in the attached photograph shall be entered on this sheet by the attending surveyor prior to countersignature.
11:28
